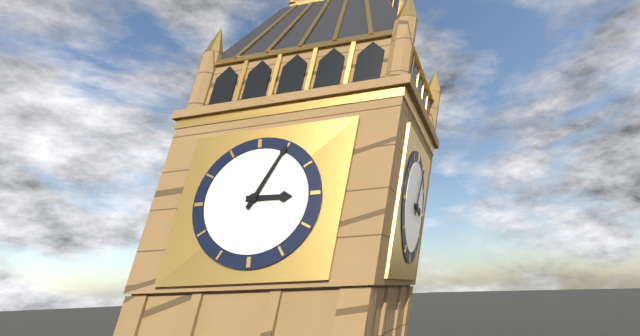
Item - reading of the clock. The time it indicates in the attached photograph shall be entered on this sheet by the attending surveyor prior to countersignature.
3:05
